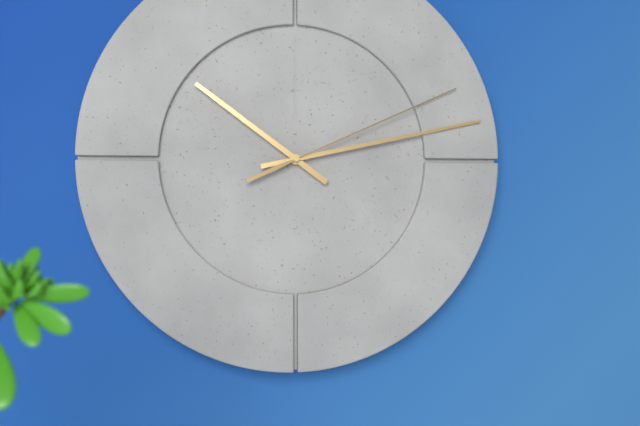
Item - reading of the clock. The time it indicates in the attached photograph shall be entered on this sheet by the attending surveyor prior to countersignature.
10:13:11
